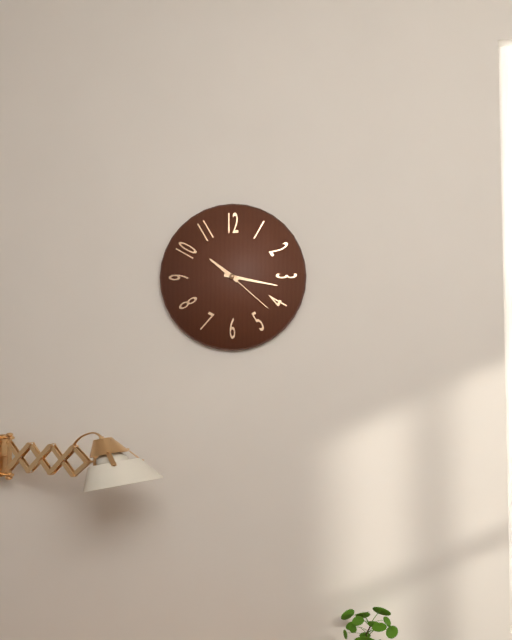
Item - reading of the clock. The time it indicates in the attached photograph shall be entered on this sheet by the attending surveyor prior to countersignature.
10:17:22
